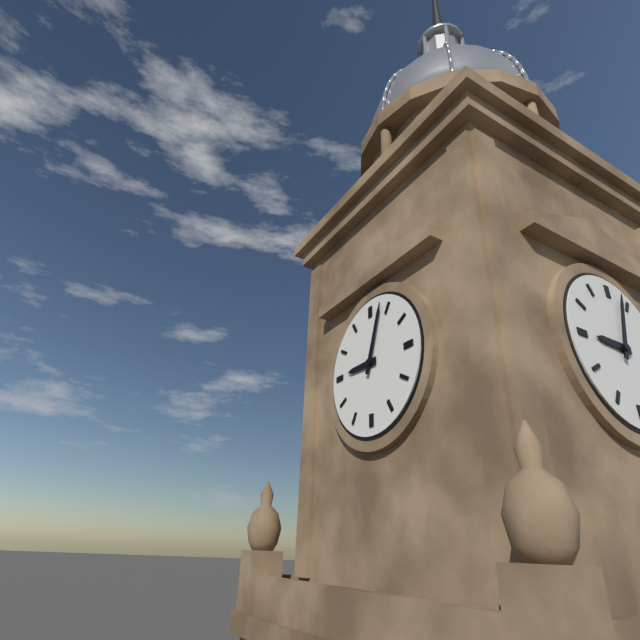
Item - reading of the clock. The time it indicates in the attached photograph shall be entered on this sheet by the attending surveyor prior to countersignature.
9:03
